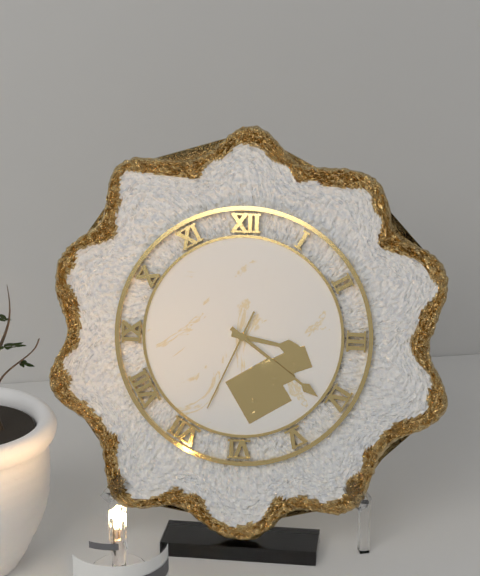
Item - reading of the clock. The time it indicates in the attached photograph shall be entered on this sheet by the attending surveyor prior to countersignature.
3:21:34
